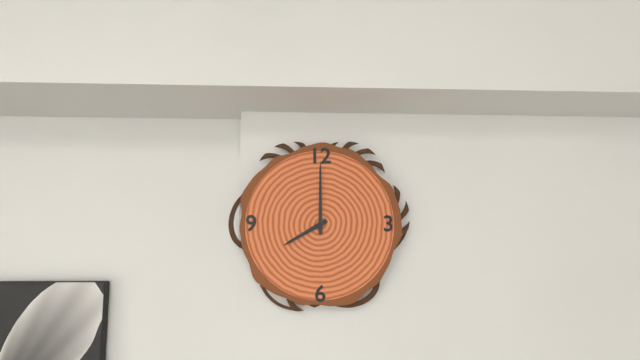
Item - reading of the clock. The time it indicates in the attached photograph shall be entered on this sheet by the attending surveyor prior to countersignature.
8:00
